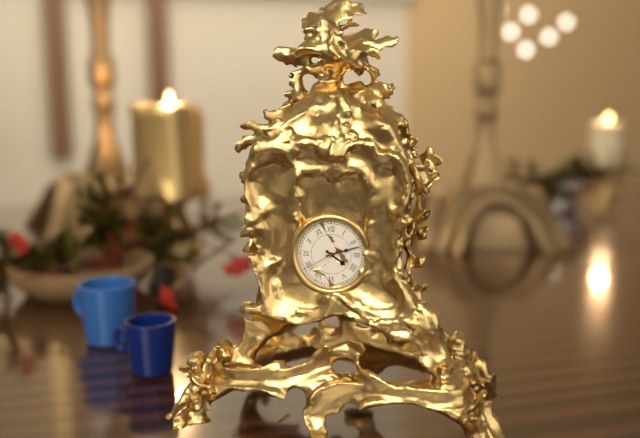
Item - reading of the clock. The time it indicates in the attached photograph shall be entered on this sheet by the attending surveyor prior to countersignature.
4:12
